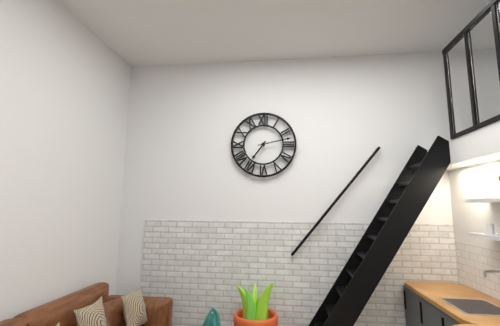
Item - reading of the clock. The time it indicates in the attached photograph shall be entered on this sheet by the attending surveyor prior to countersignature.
7:13
